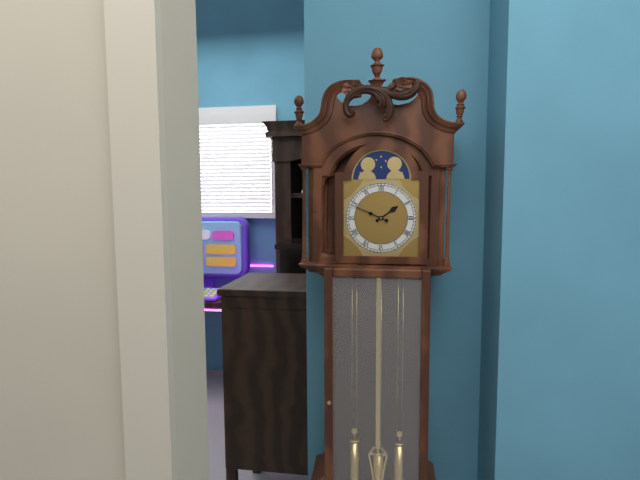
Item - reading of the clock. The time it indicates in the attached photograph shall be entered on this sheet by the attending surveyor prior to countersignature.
1:49
